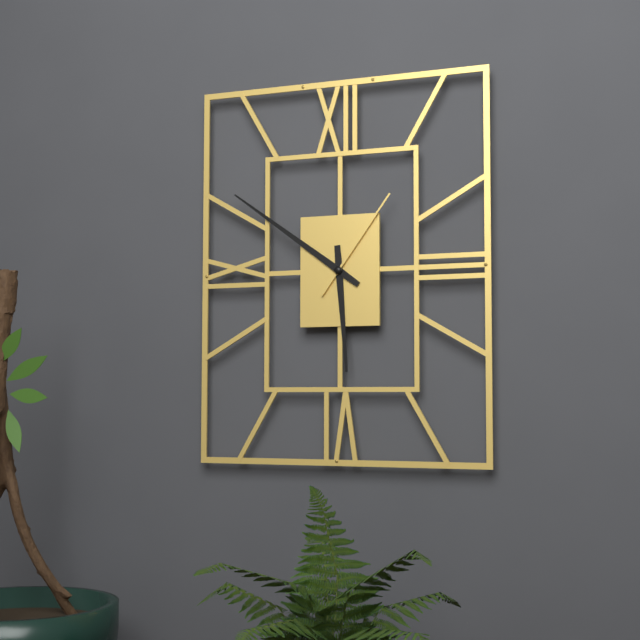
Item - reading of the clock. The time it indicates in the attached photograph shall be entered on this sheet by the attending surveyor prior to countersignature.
5:51:06
